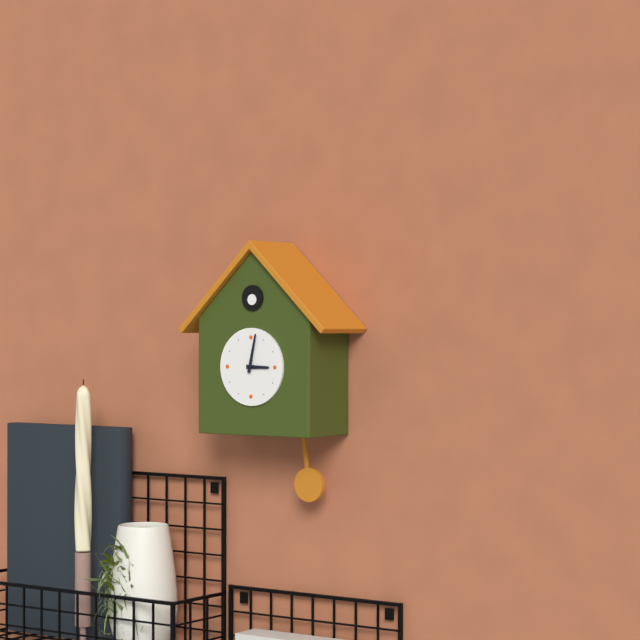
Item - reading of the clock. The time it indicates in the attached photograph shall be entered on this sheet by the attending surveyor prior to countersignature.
3:02
